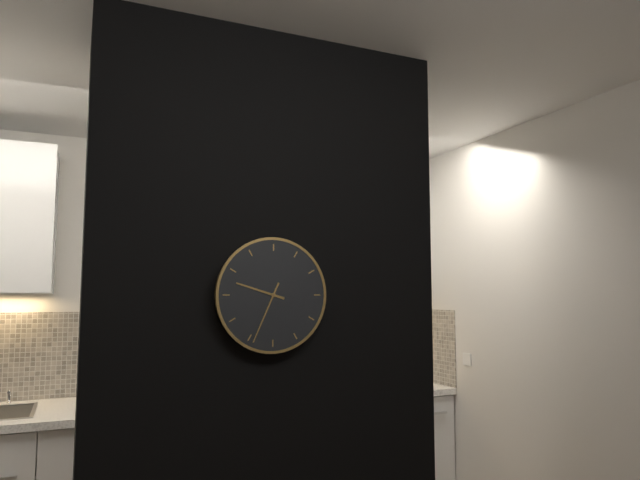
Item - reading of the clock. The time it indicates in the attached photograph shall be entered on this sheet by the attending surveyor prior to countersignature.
9:34
